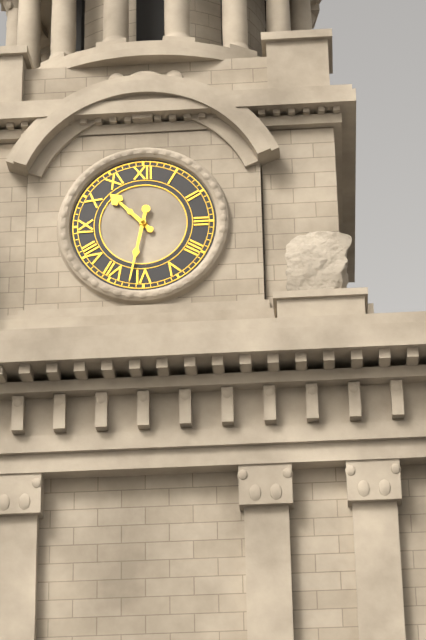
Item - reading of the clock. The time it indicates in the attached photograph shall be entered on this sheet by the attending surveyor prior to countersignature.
10:32
